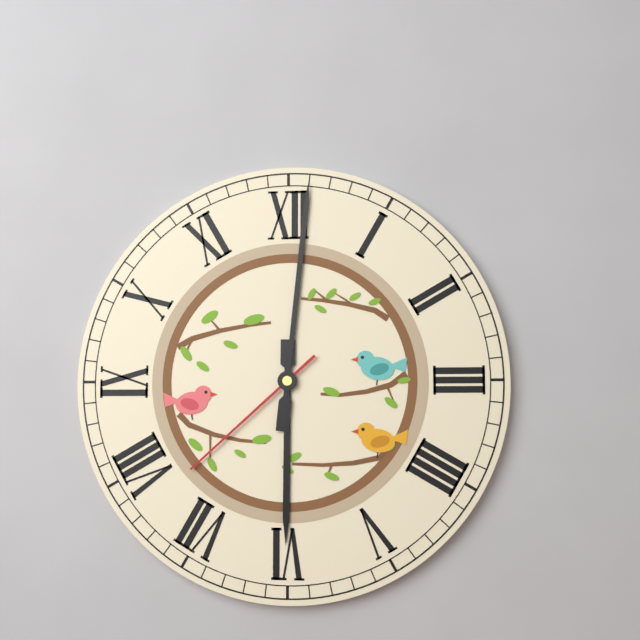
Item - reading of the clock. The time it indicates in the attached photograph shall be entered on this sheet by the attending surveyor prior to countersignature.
6:01:38
